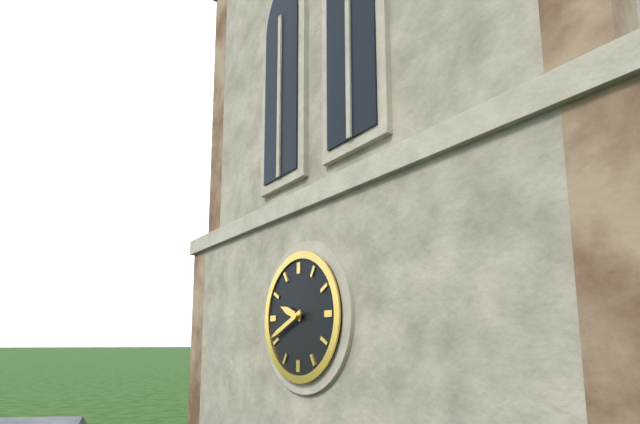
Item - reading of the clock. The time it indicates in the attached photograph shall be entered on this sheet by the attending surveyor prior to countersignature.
9:41
